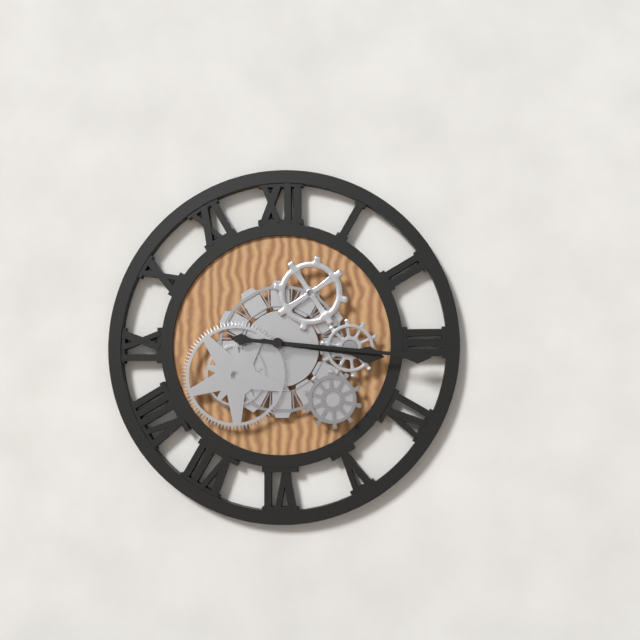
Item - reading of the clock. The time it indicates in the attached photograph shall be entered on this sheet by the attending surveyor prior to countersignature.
3:16
